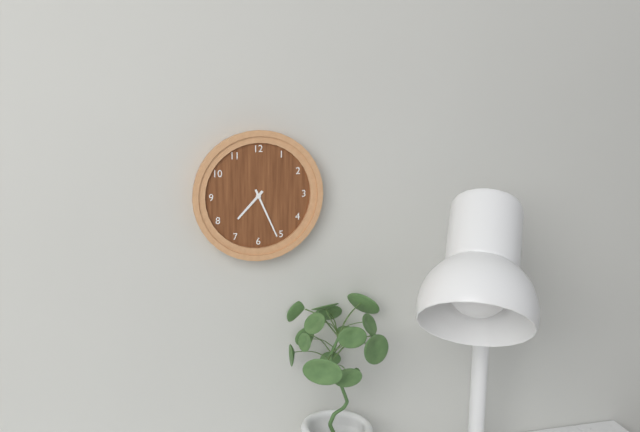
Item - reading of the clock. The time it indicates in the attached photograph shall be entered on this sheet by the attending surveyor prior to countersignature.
7:26
